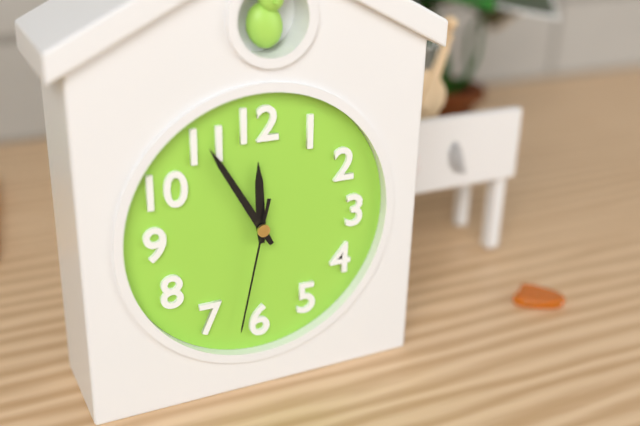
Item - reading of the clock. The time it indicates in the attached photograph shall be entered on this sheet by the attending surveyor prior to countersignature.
11:55:32
